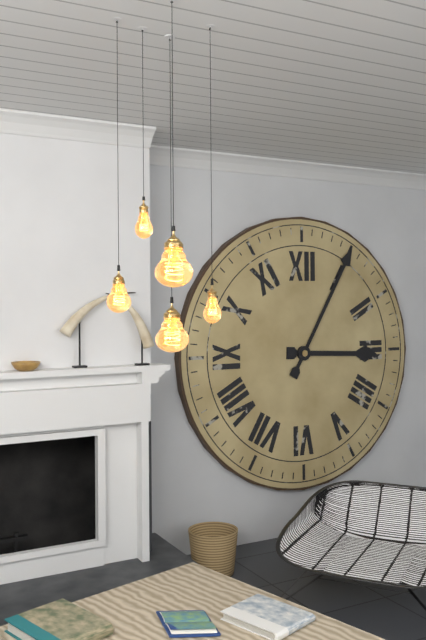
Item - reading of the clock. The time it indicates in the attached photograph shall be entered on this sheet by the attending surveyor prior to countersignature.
3:05
